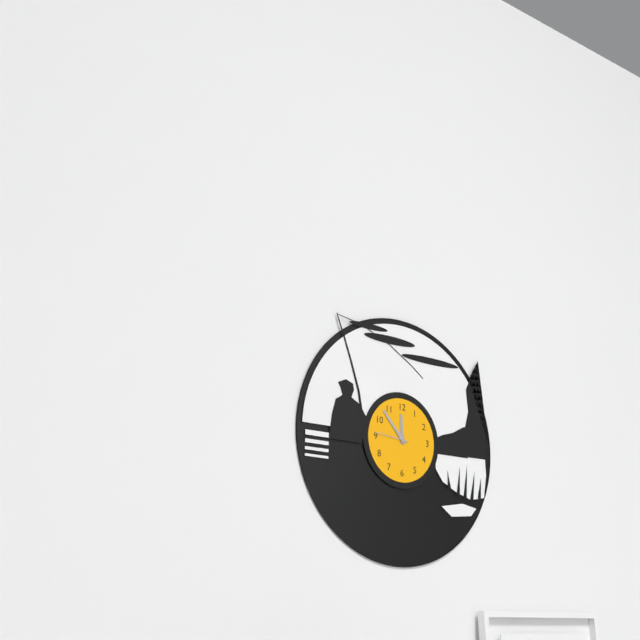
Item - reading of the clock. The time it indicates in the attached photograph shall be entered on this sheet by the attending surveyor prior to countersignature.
11:53
